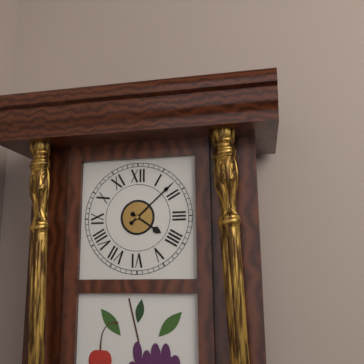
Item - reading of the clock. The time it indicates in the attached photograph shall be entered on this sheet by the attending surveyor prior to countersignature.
4:08
